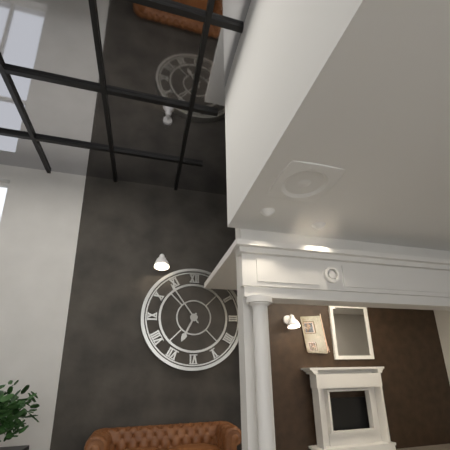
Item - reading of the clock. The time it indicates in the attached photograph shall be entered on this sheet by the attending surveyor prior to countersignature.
6:54
